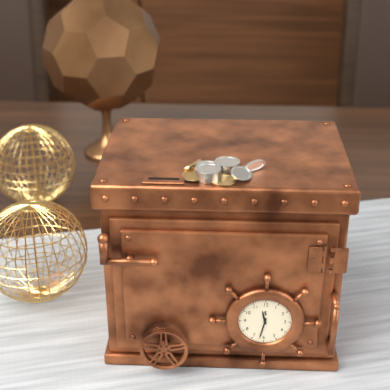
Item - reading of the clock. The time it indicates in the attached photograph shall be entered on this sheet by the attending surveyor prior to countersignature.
11:32
